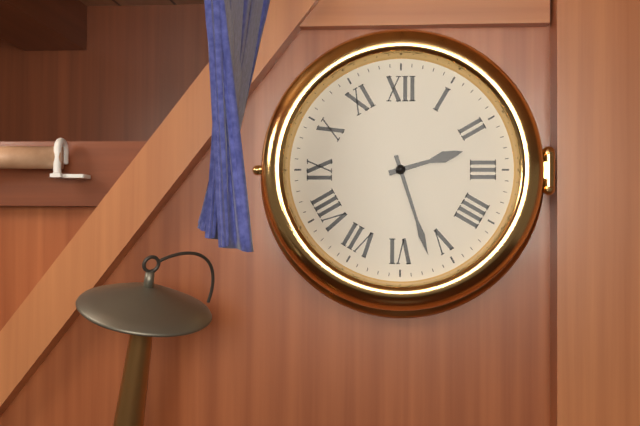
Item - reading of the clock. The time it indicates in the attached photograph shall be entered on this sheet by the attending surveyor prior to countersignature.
2:27
